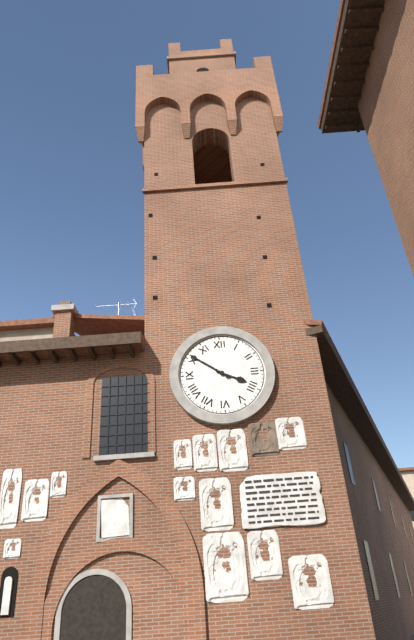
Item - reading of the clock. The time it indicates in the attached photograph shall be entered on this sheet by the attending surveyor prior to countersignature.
3:51
